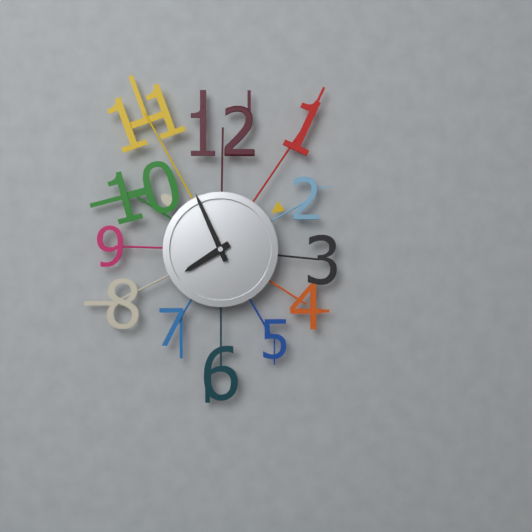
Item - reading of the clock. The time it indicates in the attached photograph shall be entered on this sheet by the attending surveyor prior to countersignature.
7:56
